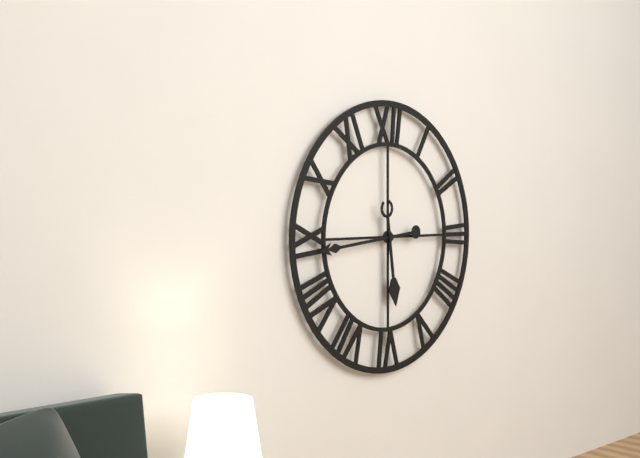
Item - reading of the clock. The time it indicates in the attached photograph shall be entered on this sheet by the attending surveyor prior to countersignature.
5:44
